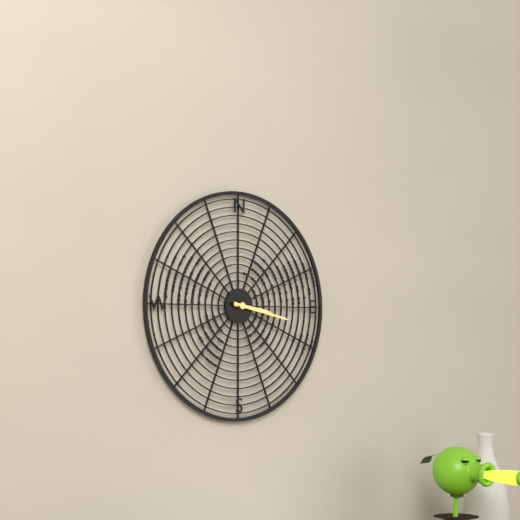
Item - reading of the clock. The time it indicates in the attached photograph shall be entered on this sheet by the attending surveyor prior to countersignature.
3:17
